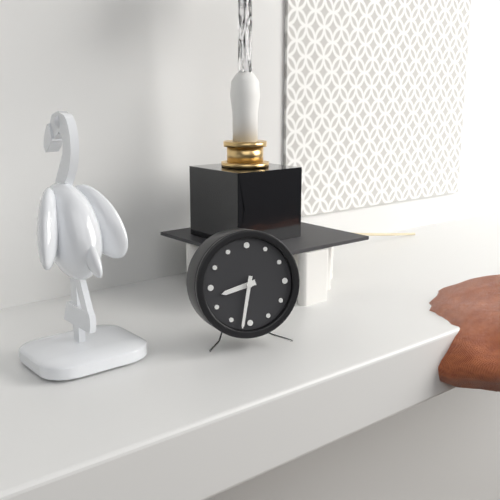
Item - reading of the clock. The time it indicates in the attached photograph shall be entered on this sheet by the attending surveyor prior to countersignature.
8:32
